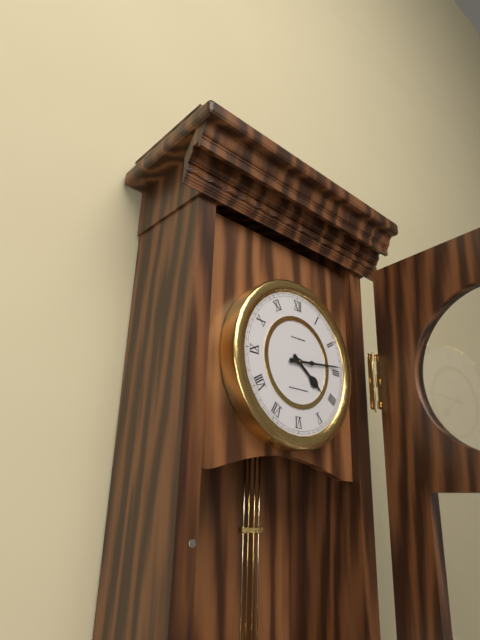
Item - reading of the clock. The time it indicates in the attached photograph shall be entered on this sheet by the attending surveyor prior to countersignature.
4:14
